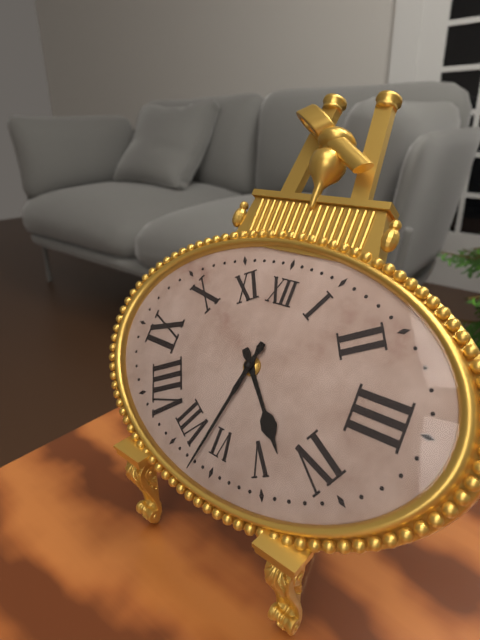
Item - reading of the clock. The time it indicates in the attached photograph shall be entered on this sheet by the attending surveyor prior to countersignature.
4:32
